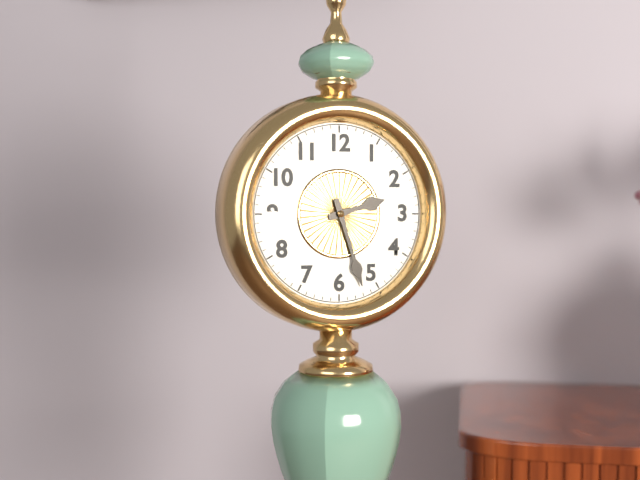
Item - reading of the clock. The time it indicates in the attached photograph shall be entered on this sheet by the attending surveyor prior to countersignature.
2:27
